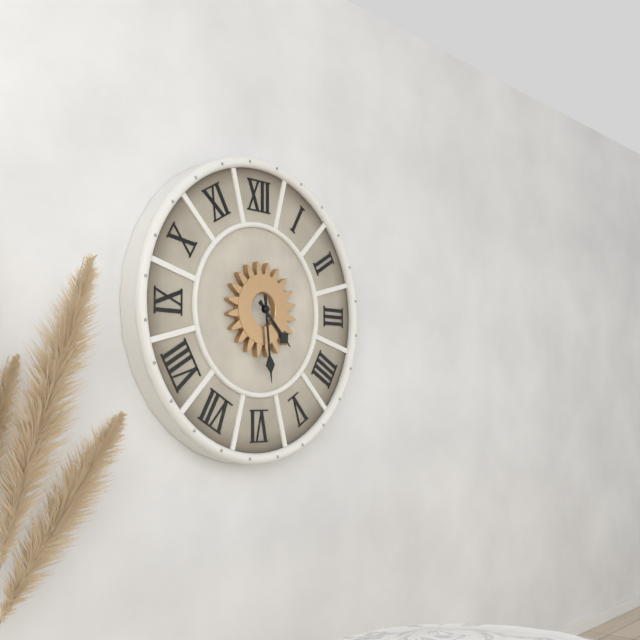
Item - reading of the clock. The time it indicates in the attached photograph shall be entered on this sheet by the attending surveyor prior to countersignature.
4:29
